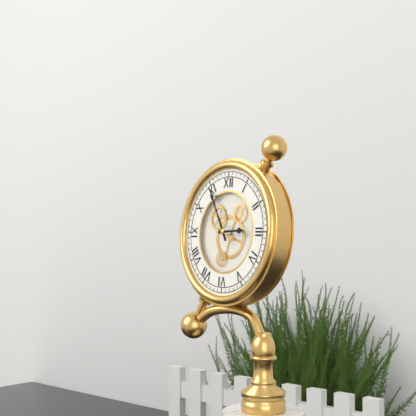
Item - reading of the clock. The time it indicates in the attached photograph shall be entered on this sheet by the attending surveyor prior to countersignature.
2:55
